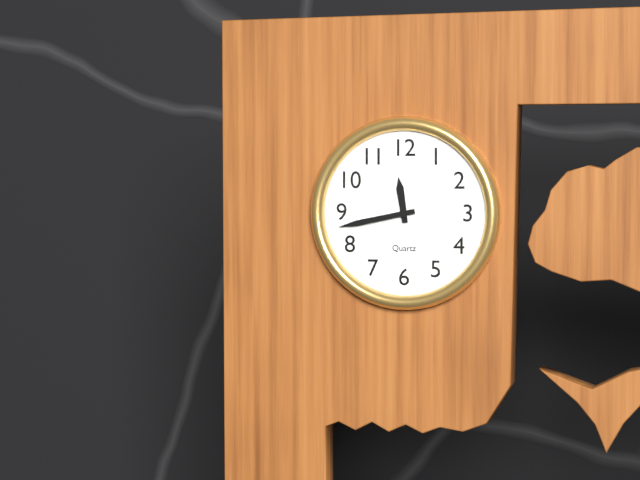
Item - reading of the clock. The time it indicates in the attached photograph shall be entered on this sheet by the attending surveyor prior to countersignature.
11:43
